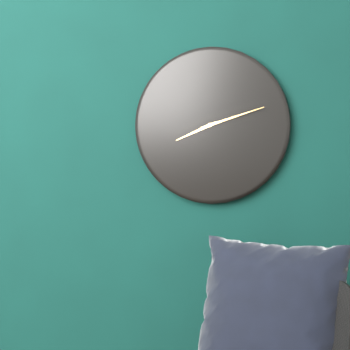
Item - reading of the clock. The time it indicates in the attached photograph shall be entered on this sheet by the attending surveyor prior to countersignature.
8:12
